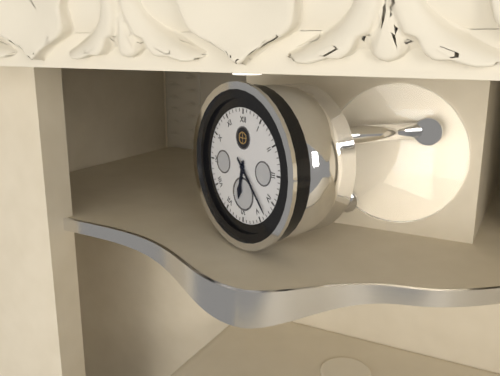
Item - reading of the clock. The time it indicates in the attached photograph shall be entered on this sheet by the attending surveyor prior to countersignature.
6:23
